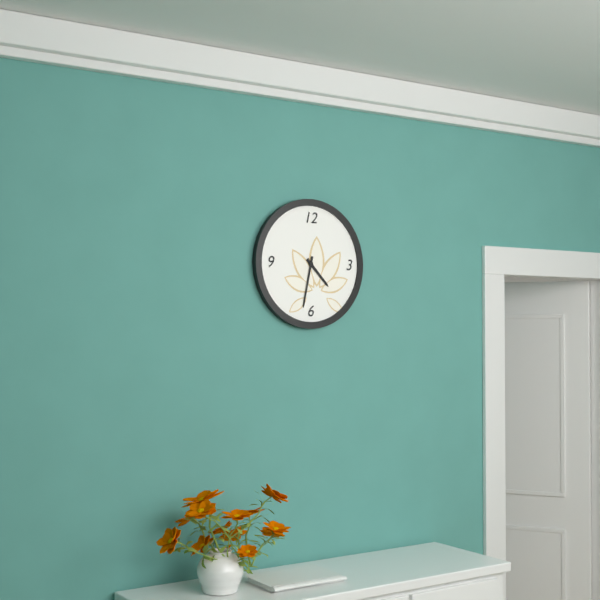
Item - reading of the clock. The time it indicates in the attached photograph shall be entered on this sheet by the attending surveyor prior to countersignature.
4:32
